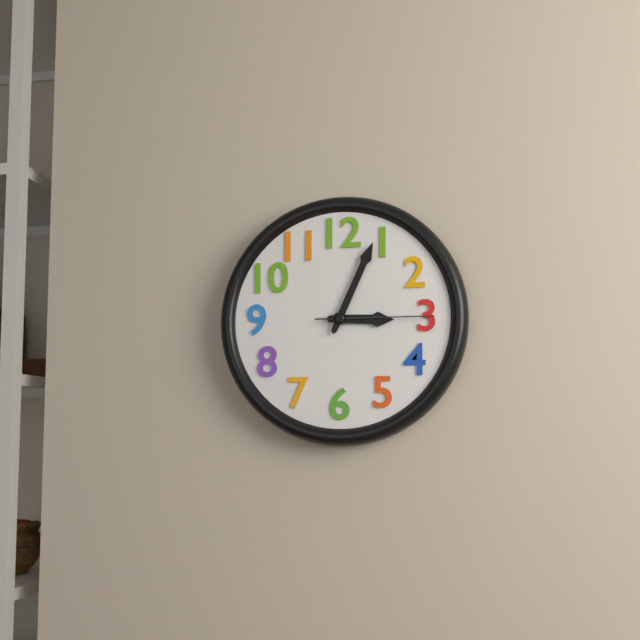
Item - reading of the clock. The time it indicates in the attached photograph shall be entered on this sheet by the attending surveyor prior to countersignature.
3:04:15
